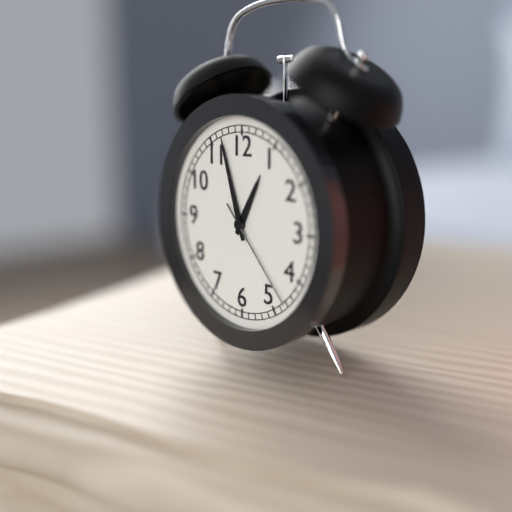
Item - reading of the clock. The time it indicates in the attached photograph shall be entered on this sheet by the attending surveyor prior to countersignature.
12:57:23
